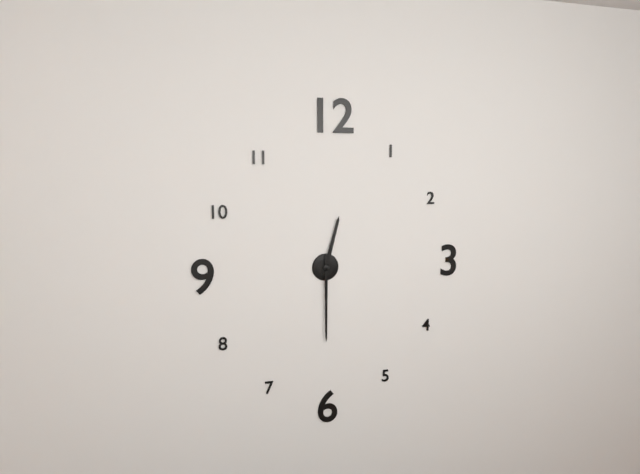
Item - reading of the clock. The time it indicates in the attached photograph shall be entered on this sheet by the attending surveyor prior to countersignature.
12:30
